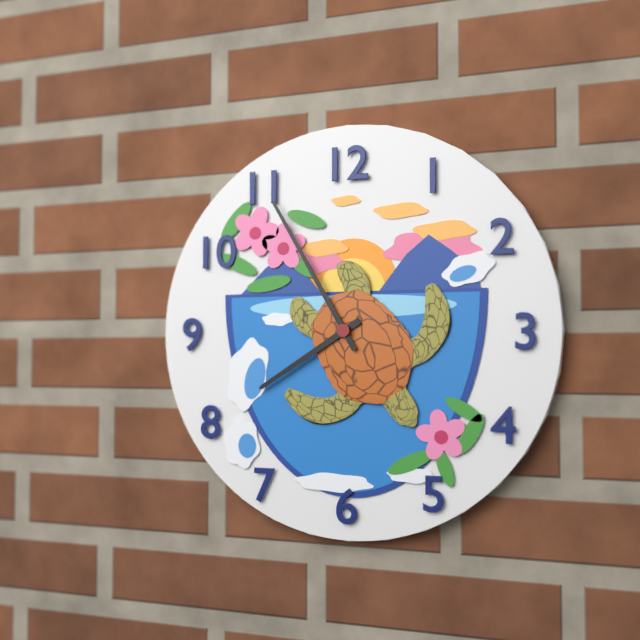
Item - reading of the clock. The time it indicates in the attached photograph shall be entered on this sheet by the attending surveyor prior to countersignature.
7:55
